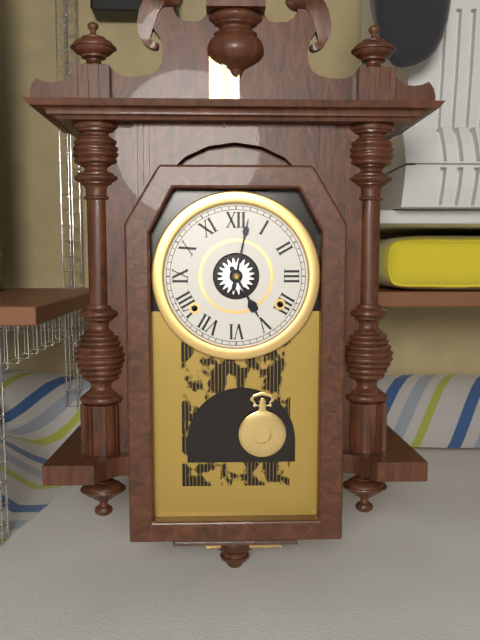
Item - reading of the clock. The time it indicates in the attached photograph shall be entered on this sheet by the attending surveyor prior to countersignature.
5:02
